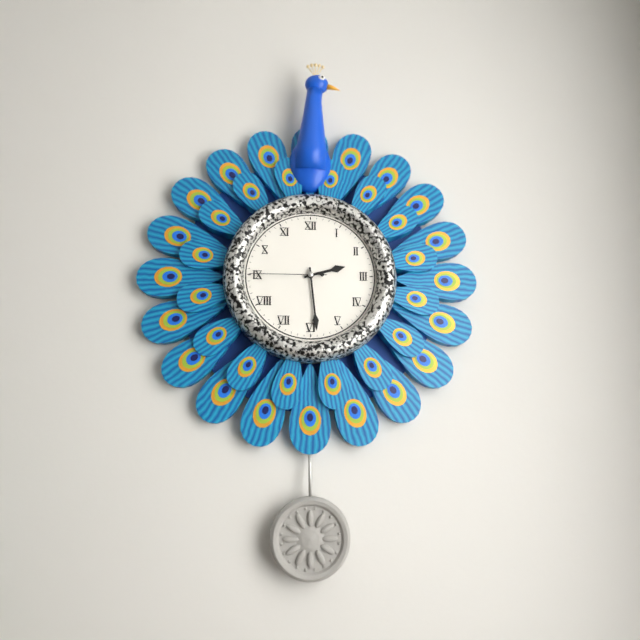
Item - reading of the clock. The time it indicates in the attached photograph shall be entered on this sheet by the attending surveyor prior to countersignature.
2:29:45
